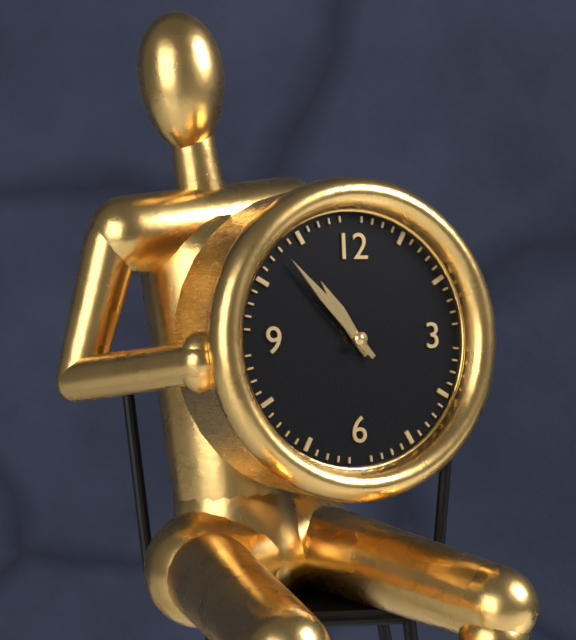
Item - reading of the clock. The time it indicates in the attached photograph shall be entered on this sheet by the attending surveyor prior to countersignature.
10:53
